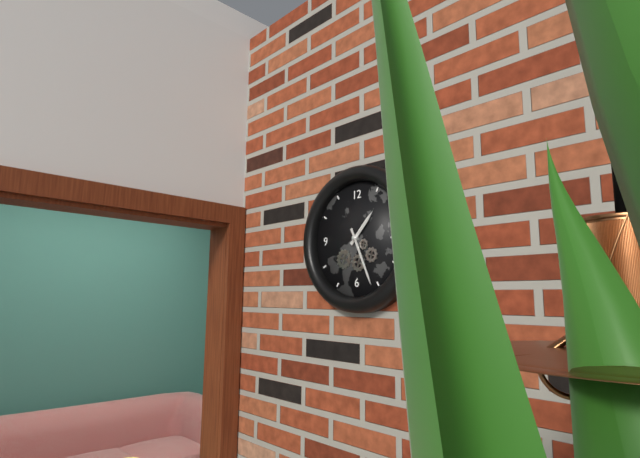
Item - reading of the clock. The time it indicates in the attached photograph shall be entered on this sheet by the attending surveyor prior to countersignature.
1:26
